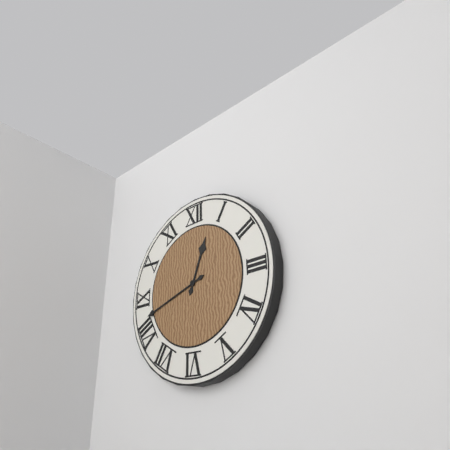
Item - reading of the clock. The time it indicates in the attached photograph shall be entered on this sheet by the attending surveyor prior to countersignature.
12:42
